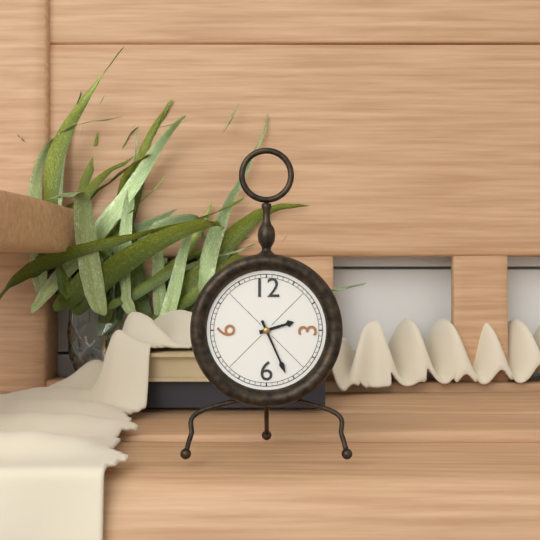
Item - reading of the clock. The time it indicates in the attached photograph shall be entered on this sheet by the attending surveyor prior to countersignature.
2:26
